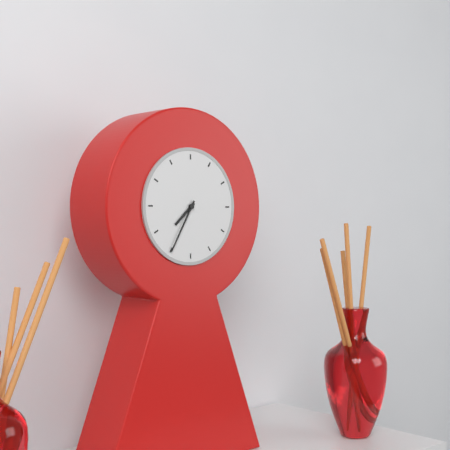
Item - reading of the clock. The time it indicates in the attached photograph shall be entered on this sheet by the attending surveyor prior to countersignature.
7:35
